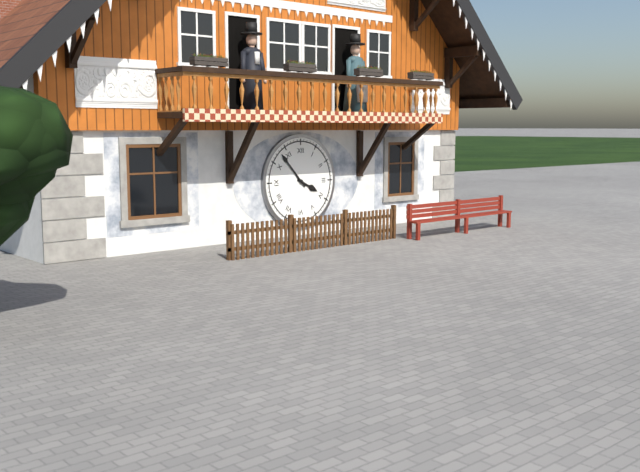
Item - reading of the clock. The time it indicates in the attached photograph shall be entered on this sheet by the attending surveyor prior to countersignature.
3:53
